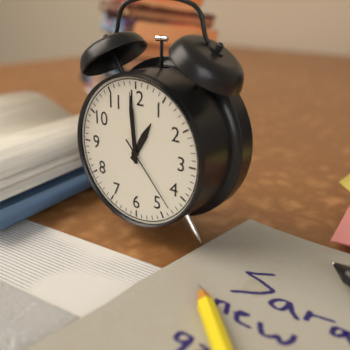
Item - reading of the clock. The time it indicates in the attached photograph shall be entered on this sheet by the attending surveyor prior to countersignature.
12:59:23
